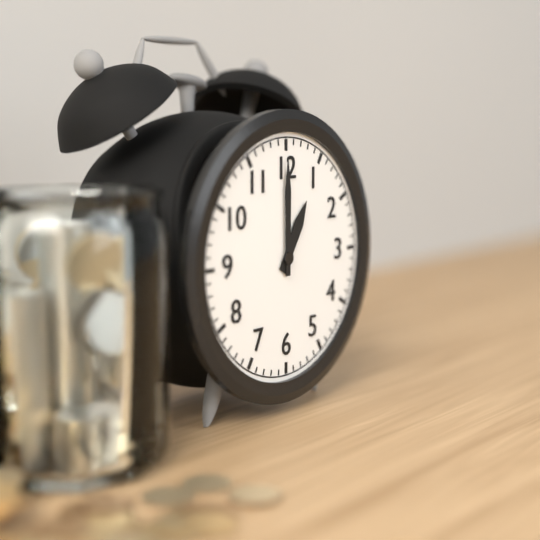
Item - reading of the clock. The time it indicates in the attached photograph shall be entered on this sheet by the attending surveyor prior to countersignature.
1:00
